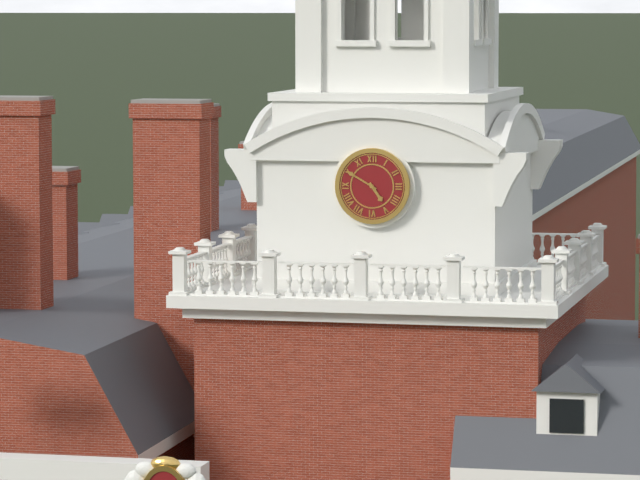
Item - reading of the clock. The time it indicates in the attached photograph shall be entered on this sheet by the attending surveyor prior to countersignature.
4:50
